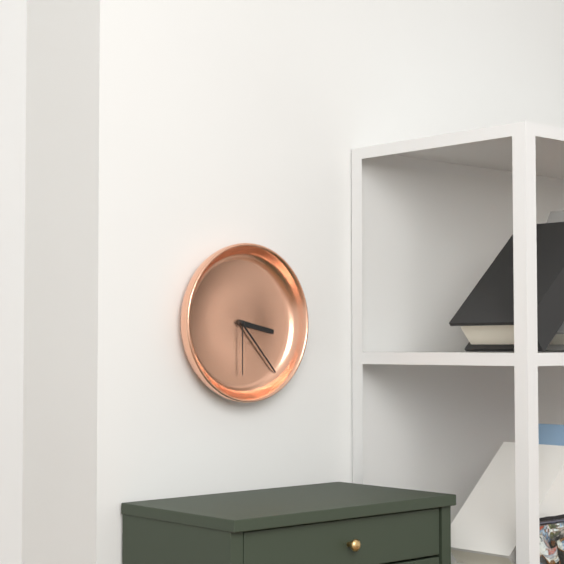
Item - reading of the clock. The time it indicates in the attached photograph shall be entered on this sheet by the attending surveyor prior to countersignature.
3:23:30
